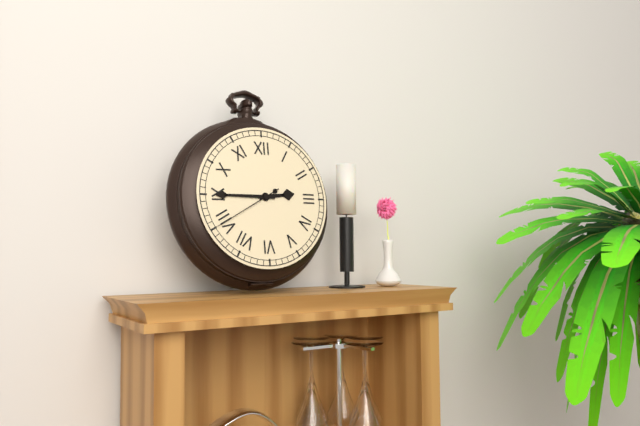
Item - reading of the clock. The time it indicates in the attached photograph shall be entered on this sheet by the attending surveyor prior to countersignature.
2:45:40
